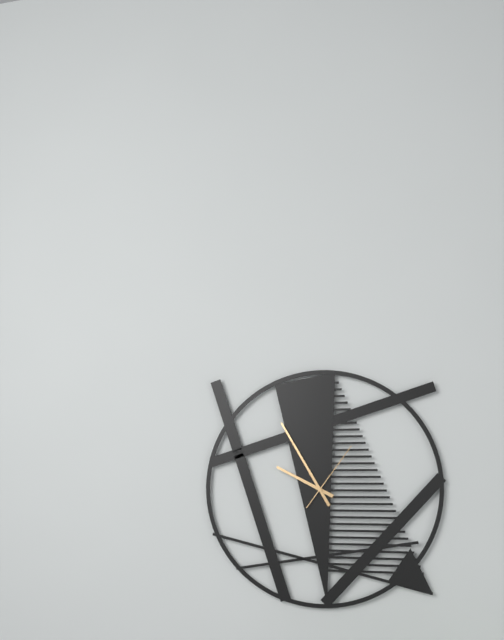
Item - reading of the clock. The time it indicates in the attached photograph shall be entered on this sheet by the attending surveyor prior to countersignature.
9:55:06
